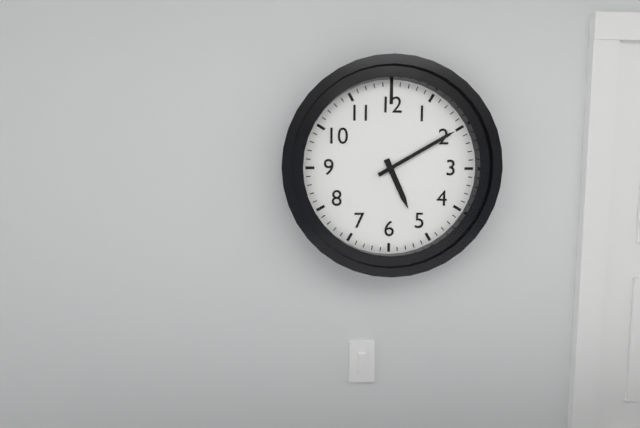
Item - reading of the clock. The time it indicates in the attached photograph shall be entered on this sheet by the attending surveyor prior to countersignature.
5:10
